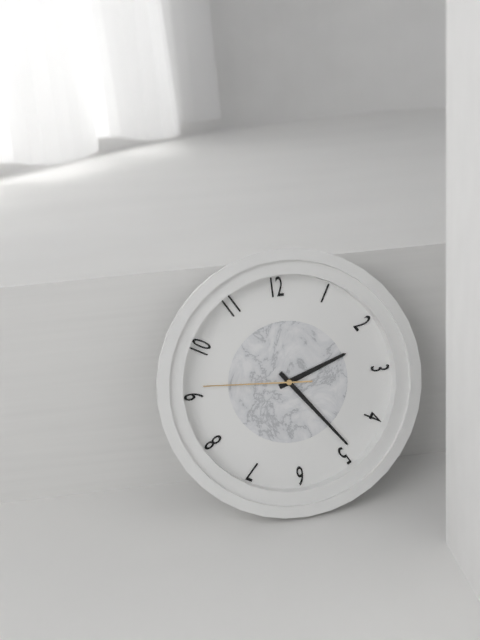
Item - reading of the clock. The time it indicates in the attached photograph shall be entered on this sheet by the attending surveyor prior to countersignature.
2:24:46
